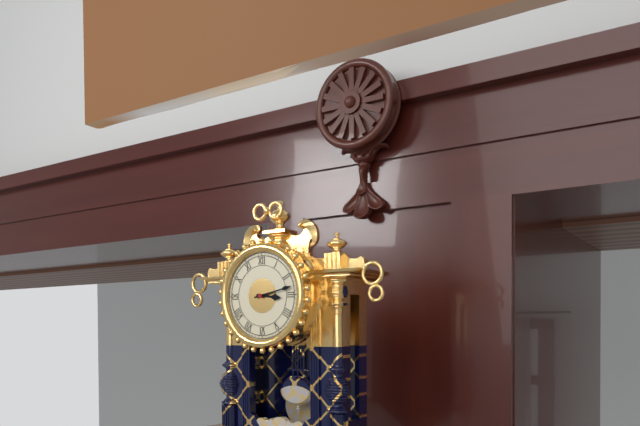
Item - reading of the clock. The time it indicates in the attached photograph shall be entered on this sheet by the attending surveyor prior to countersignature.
3:13
